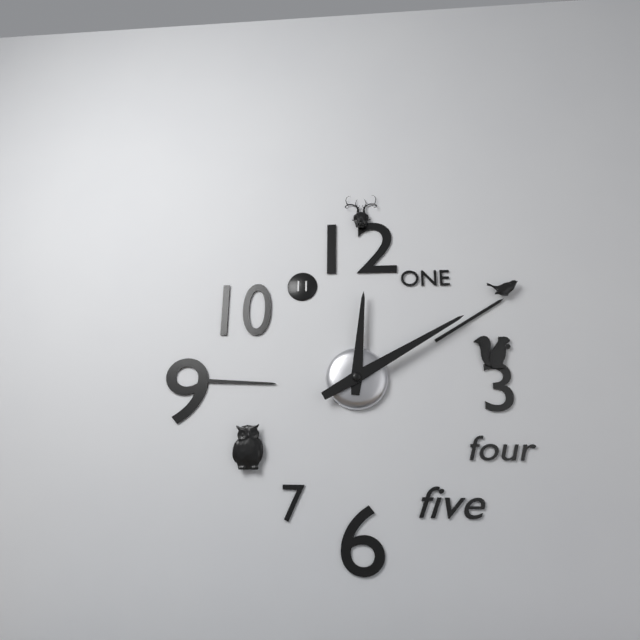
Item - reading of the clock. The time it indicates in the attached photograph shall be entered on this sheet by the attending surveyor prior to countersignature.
12:10
